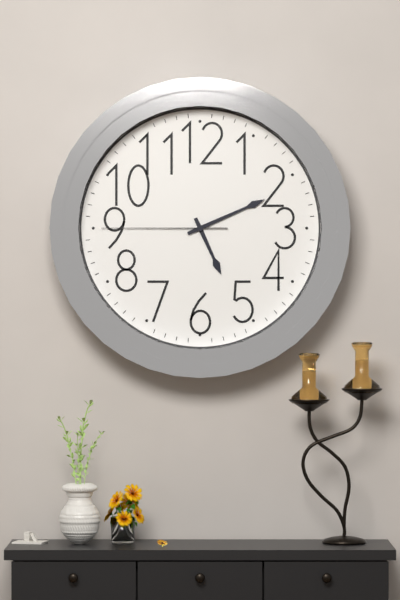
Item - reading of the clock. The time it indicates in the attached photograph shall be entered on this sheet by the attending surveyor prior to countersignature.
5:11:45
